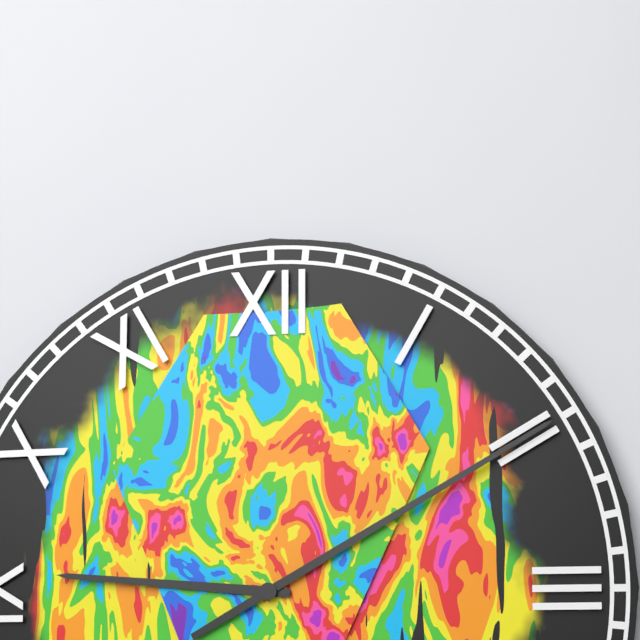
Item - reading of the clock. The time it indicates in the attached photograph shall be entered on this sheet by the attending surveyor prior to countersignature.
9:10
